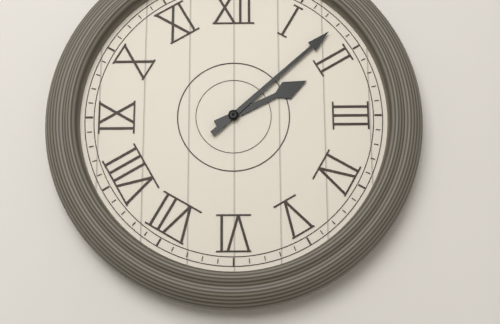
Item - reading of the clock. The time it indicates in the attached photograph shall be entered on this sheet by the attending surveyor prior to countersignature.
2:08
